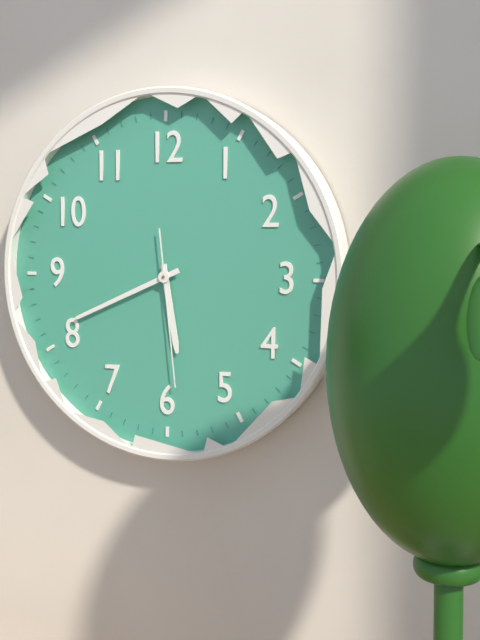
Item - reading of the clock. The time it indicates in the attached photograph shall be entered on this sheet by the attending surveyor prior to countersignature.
5:41:29
